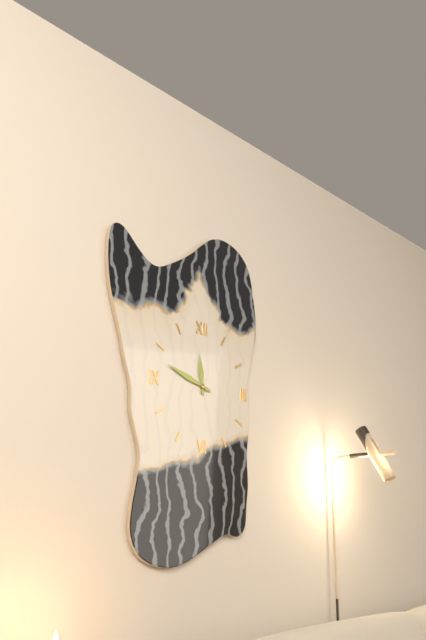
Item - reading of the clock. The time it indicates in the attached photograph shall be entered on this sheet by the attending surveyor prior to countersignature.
11:48
